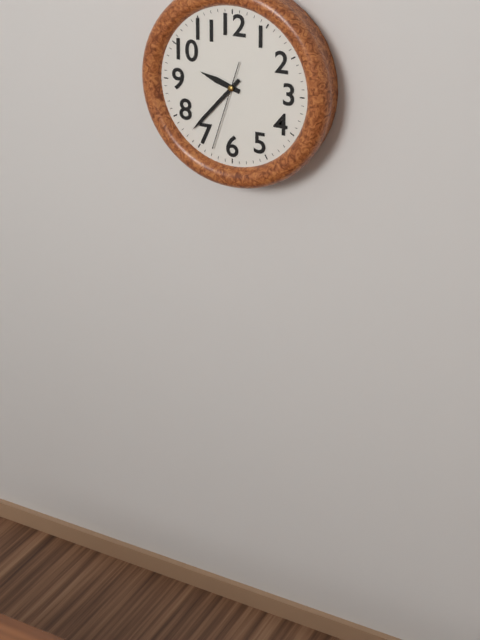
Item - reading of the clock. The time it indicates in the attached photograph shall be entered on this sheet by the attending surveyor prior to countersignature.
9:37:33
